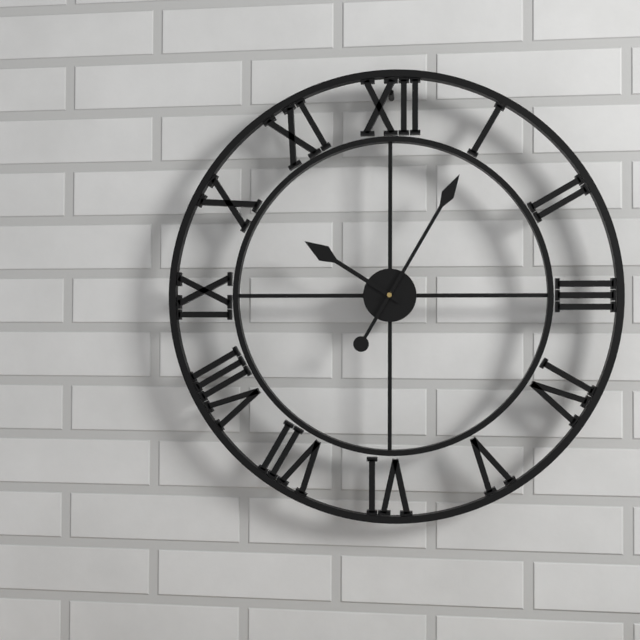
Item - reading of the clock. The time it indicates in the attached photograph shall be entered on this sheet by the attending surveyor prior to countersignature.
10:05
